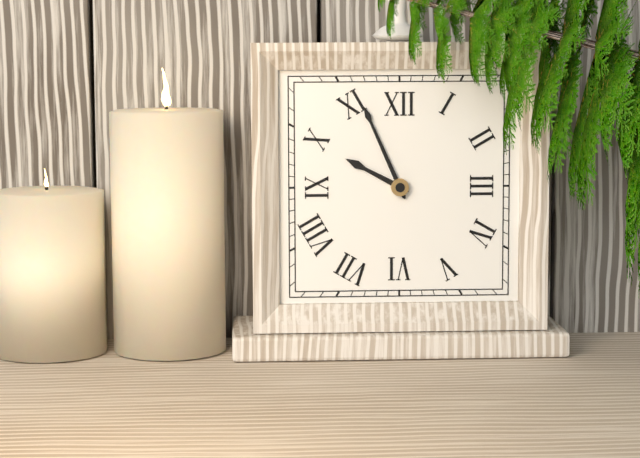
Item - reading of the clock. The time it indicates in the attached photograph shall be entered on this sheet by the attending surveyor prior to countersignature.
9:56
